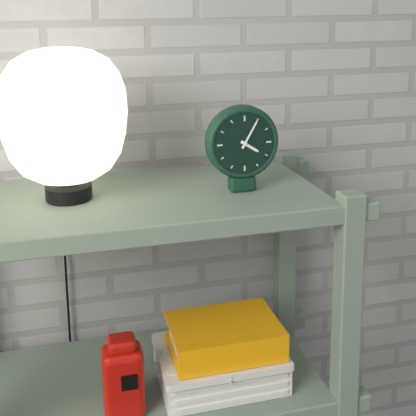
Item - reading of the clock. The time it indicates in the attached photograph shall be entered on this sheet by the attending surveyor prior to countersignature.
4:05
